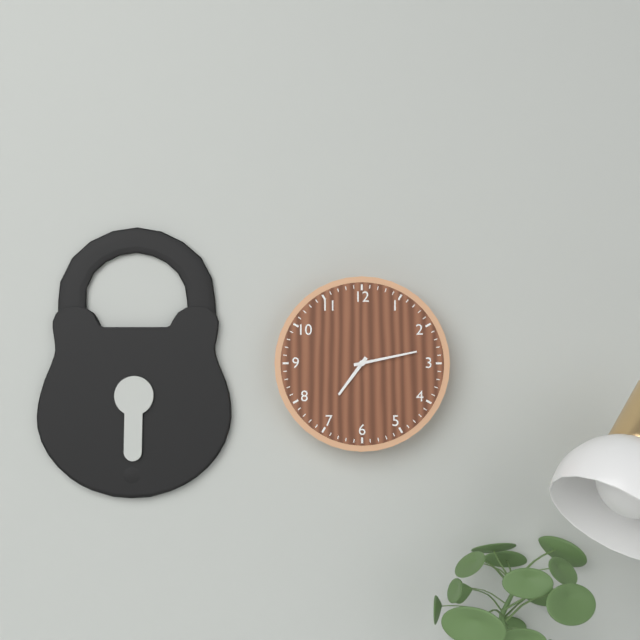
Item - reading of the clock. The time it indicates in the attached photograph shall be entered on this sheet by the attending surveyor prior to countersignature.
7:13
